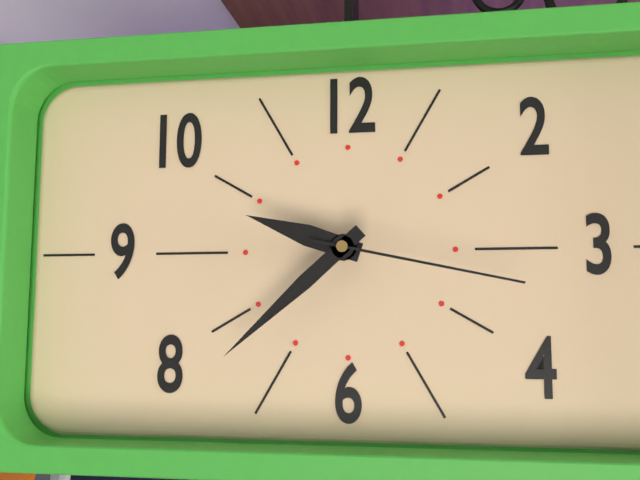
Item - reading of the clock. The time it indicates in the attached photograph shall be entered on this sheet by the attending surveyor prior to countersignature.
9:38:17
